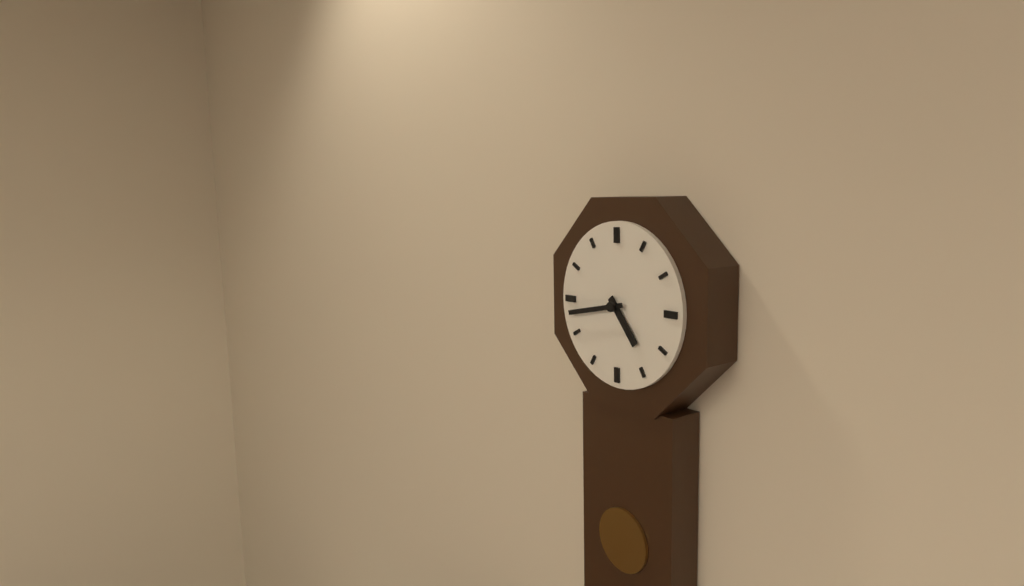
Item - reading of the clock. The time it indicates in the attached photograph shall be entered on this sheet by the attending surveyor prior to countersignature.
4:43
